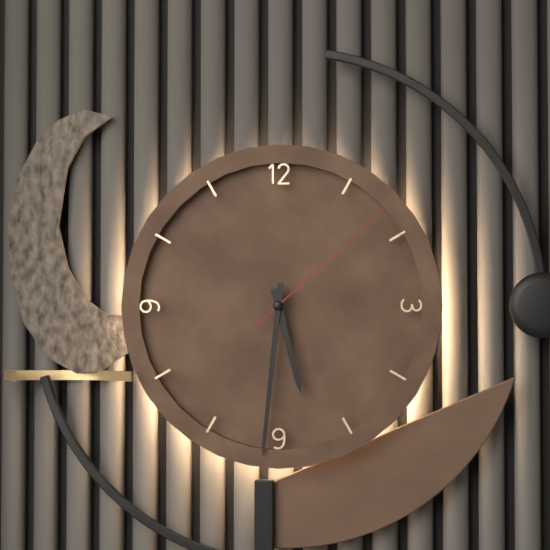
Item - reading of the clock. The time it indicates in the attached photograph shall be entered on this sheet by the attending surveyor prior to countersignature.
5:31:08
